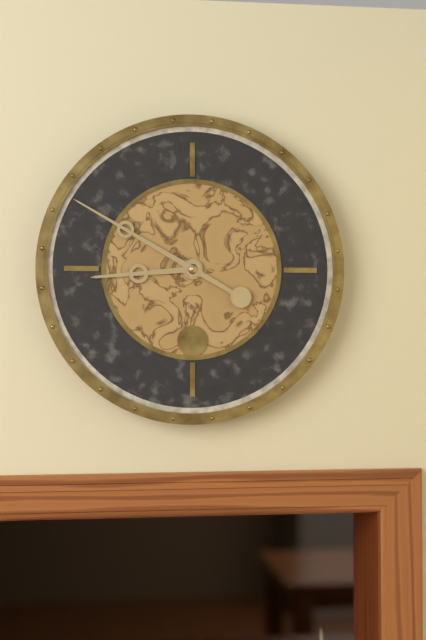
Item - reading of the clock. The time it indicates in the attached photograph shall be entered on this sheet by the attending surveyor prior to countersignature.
8:50
